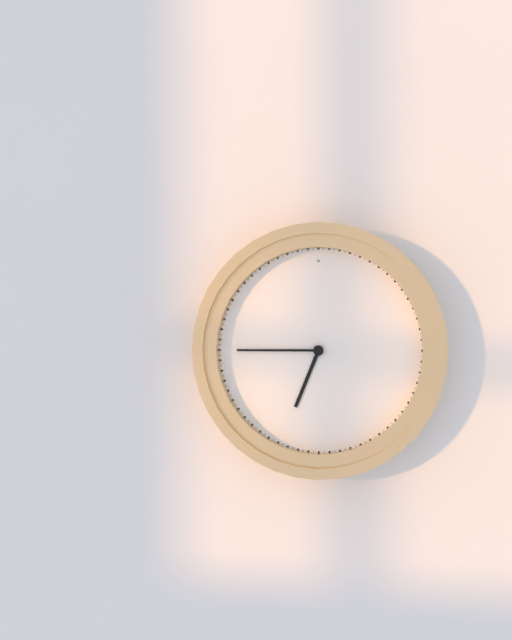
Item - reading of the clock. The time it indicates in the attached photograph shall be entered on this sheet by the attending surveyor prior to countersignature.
6:45
